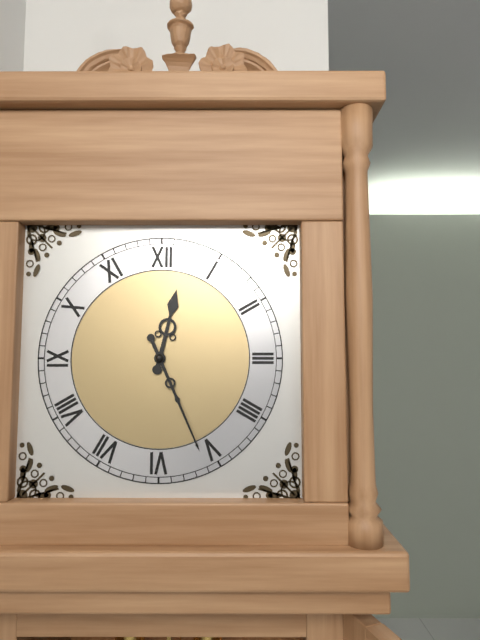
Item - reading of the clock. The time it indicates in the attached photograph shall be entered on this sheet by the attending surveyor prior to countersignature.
12:26
